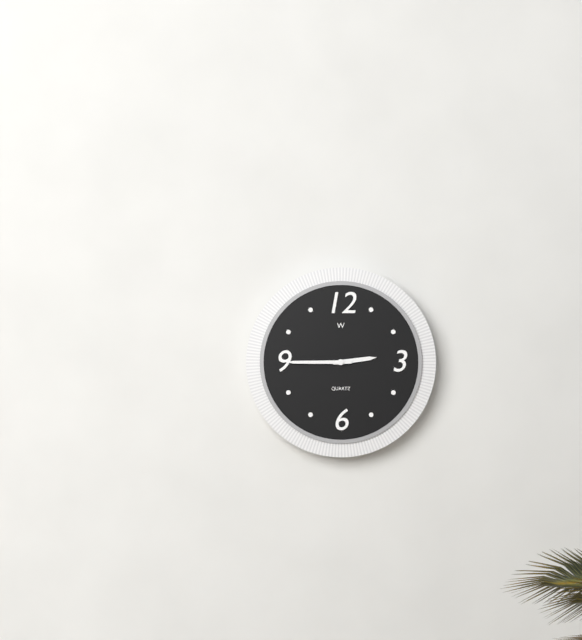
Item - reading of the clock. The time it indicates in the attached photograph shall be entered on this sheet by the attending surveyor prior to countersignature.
2:45
